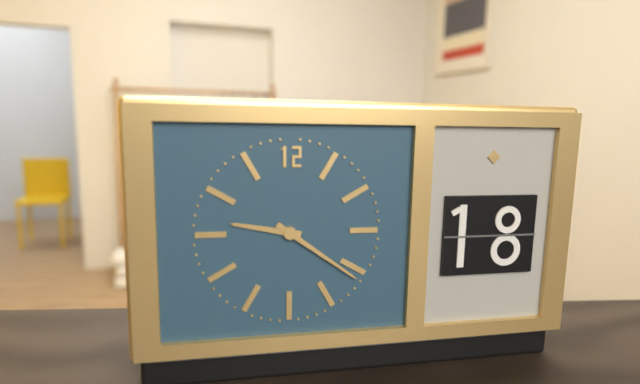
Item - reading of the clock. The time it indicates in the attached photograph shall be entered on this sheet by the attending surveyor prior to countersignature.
9:21
